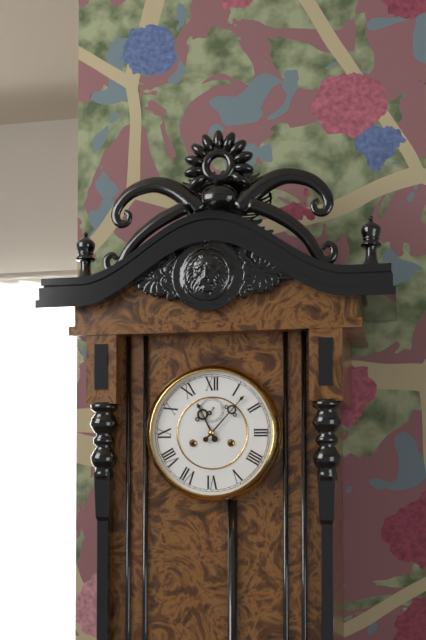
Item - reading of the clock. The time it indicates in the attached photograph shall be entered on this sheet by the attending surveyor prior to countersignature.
11:07
